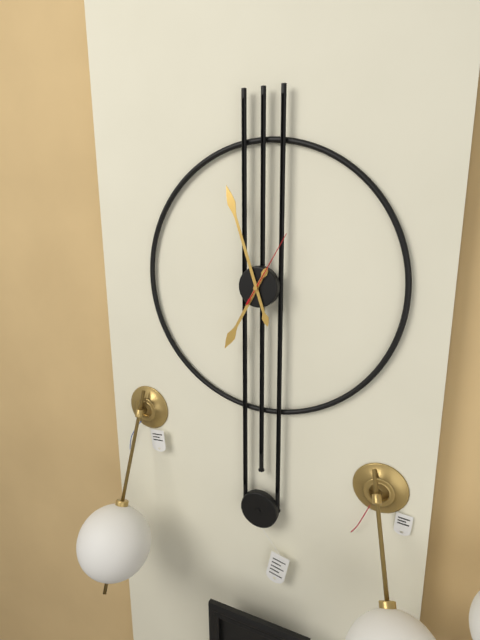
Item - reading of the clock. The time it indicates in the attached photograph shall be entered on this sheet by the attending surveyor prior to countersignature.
6:57:05
